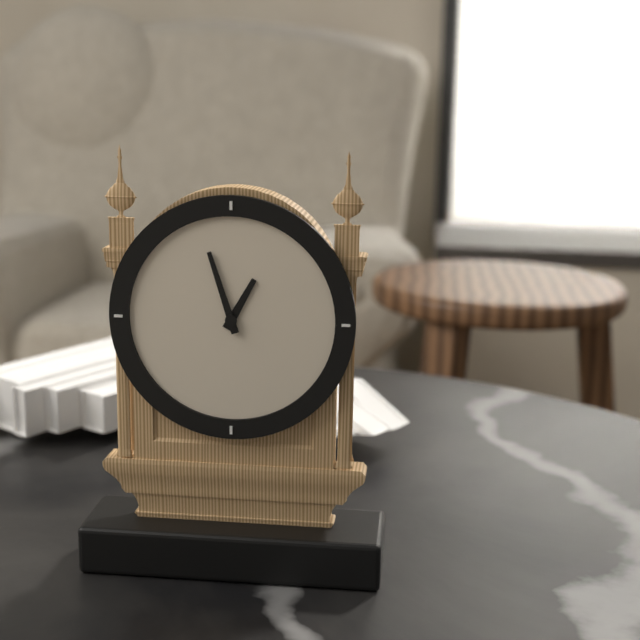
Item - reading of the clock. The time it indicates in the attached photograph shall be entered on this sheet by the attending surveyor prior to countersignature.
12:57
